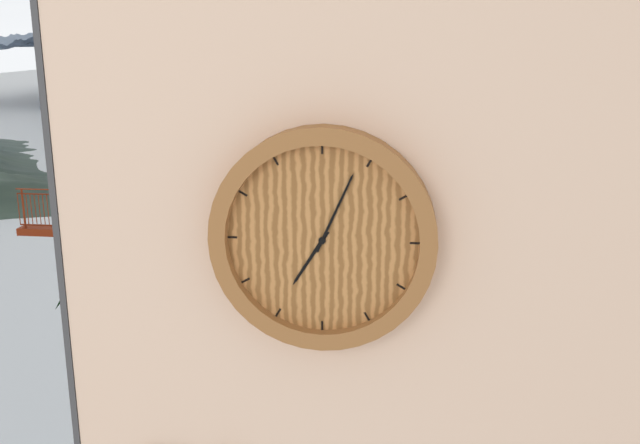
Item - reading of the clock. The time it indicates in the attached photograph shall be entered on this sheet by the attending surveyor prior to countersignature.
7:04
